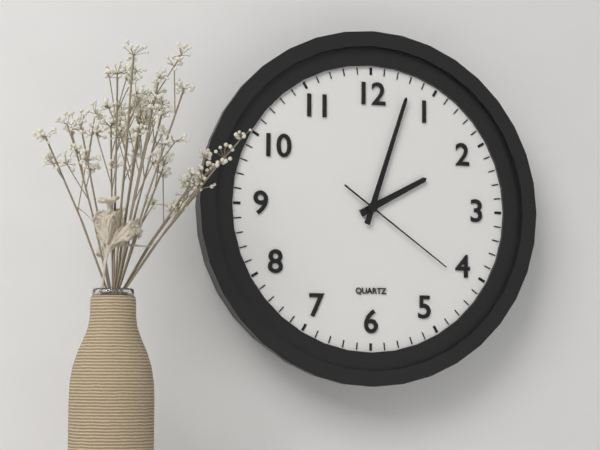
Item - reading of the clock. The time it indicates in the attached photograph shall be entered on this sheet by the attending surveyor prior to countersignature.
2:03:21
